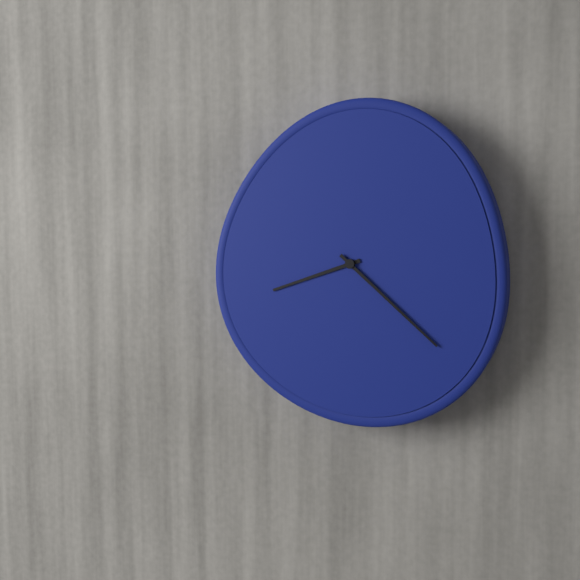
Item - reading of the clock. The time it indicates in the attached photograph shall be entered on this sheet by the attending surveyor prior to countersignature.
8:22
